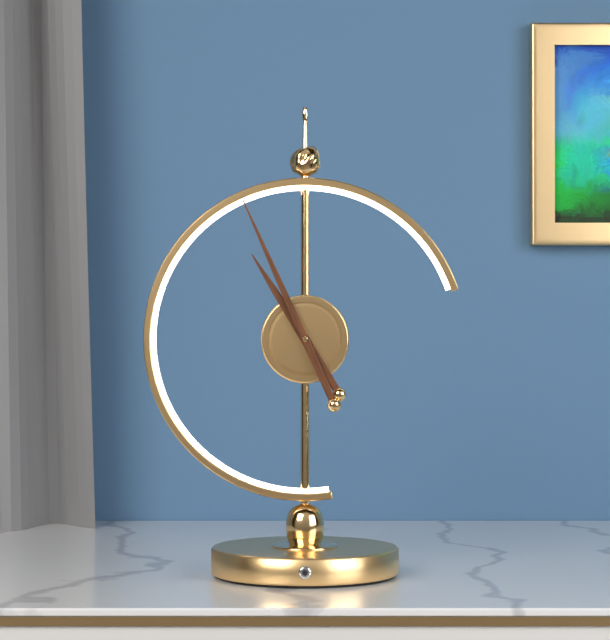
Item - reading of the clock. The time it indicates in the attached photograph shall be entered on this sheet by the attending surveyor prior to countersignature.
10:56
